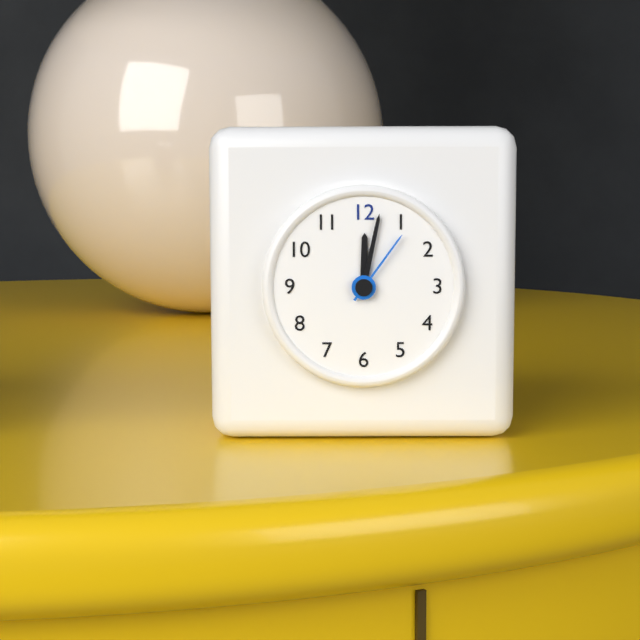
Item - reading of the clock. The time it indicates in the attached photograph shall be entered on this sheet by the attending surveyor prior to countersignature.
12:02:06
